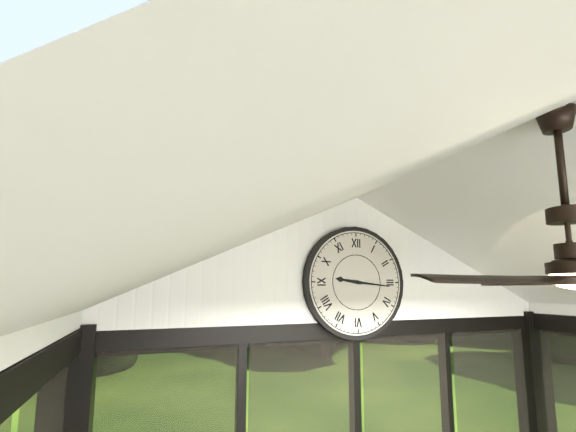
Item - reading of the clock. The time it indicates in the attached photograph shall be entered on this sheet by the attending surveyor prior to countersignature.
9:16
